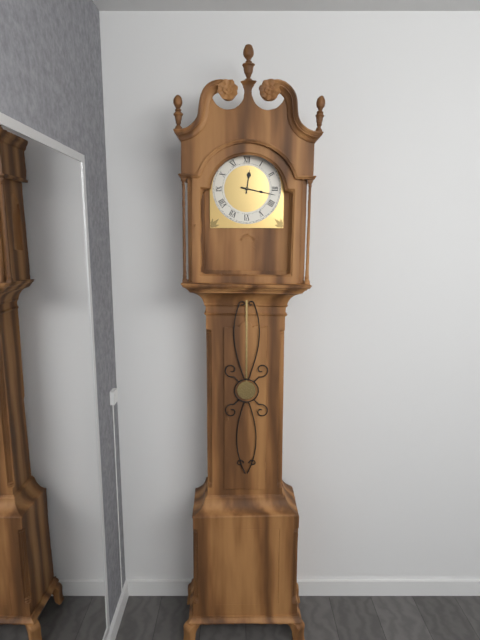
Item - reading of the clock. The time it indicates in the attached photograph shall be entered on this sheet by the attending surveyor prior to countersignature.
12:17
